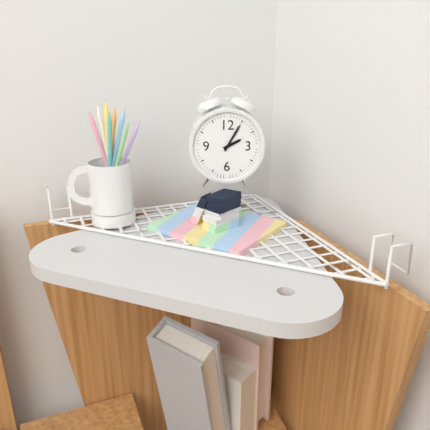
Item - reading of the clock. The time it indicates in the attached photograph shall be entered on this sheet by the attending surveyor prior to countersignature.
2:05
